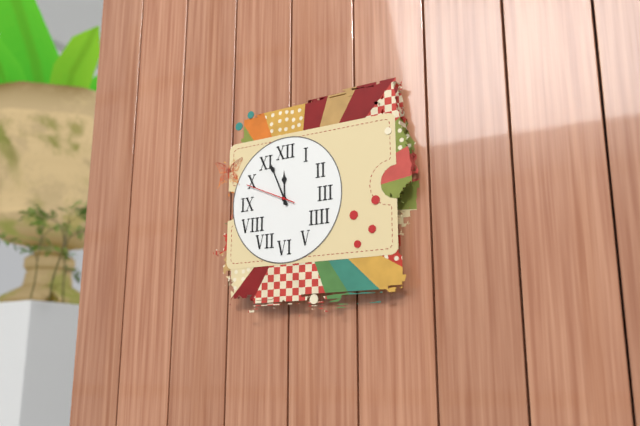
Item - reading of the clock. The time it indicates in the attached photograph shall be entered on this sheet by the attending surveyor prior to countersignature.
11:56:49
